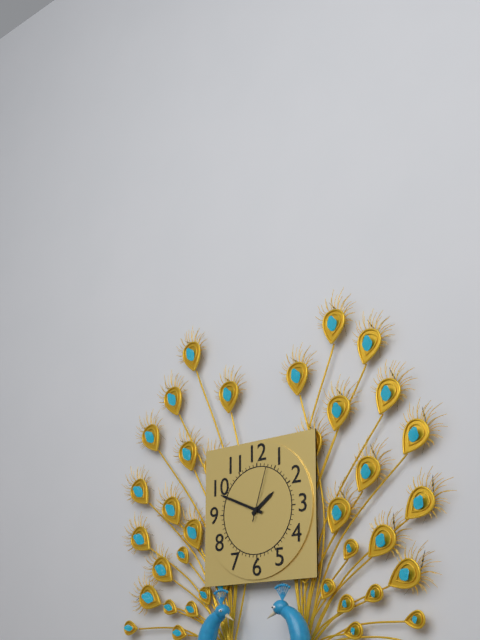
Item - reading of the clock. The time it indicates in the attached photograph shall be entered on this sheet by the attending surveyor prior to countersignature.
1:49:03
